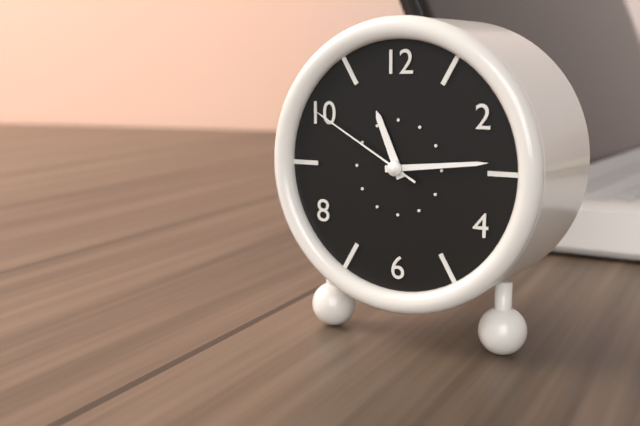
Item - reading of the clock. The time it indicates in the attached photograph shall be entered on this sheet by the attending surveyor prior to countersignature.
11:14:50
